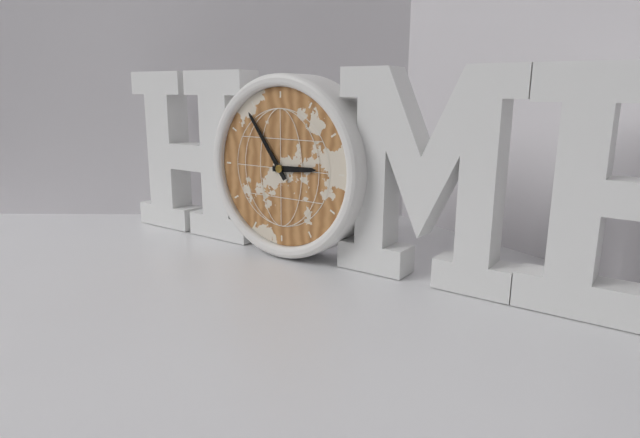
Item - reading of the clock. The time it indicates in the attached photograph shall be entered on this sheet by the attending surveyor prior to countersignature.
2:54
